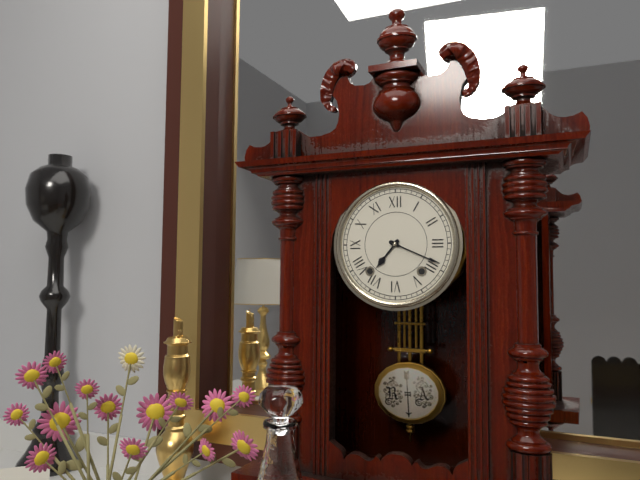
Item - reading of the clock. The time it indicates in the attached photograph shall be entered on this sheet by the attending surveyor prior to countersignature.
7:19
